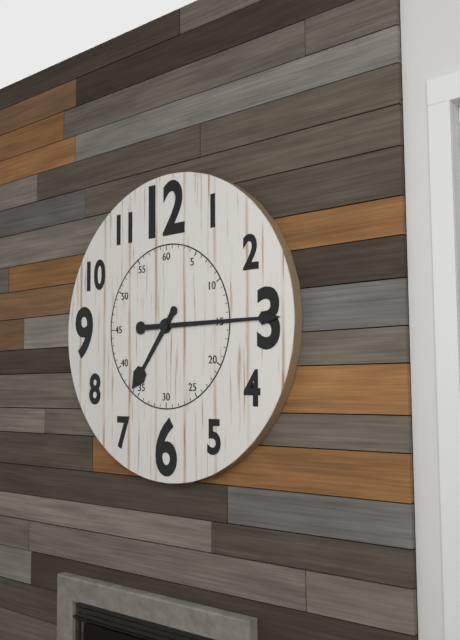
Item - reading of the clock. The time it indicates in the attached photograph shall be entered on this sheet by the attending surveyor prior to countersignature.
7:15
